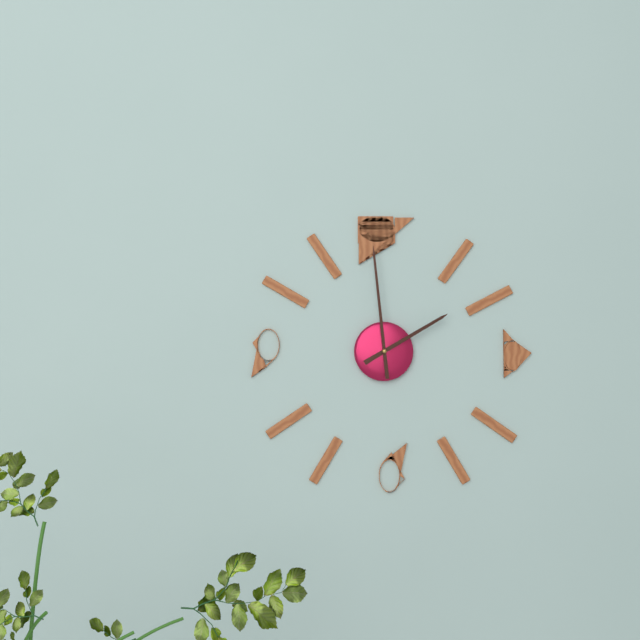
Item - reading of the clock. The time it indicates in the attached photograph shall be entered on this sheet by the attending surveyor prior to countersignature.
1:59
